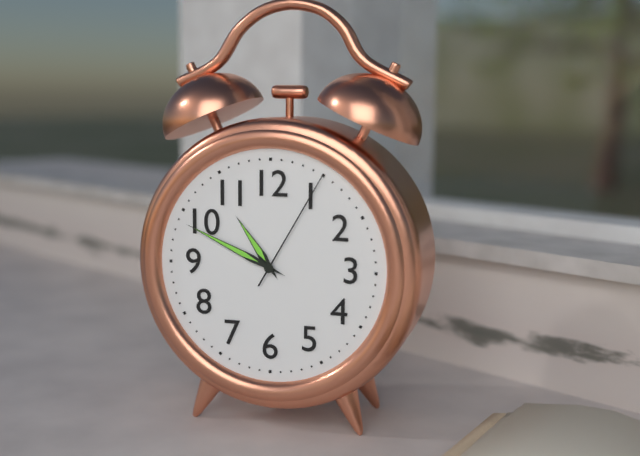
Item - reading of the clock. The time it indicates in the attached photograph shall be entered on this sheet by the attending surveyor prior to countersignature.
10:49:05
